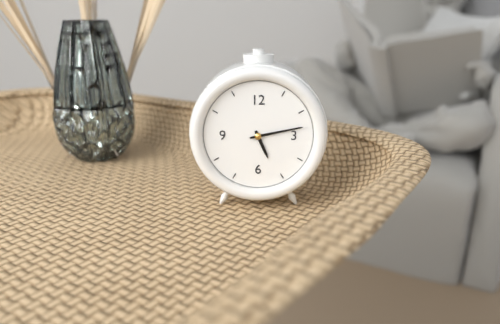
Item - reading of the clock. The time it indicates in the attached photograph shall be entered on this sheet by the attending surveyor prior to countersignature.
5:13
